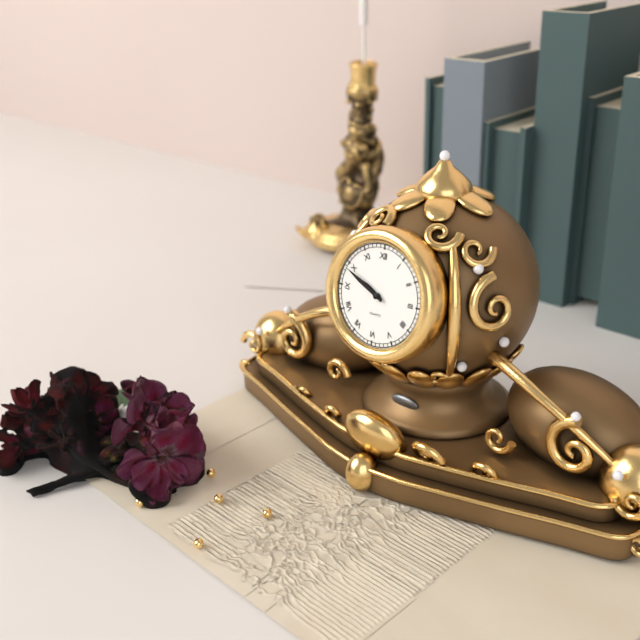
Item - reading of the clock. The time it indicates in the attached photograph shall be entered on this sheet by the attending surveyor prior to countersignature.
9:49
